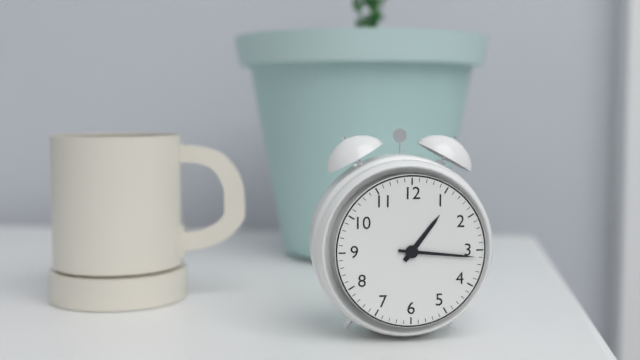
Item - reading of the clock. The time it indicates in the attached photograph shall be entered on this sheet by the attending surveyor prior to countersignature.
1:16
